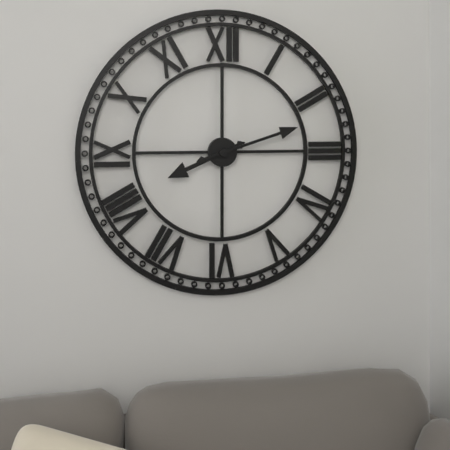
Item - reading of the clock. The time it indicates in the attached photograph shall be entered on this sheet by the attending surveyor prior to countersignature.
8:12
